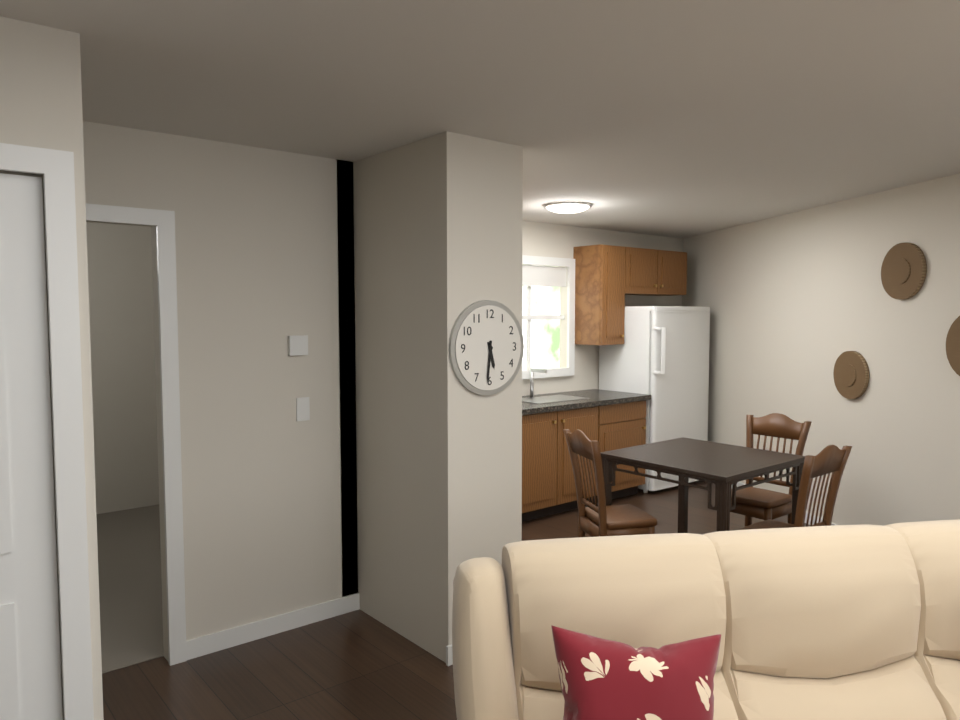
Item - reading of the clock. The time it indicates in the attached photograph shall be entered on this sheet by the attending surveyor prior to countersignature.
5:31
